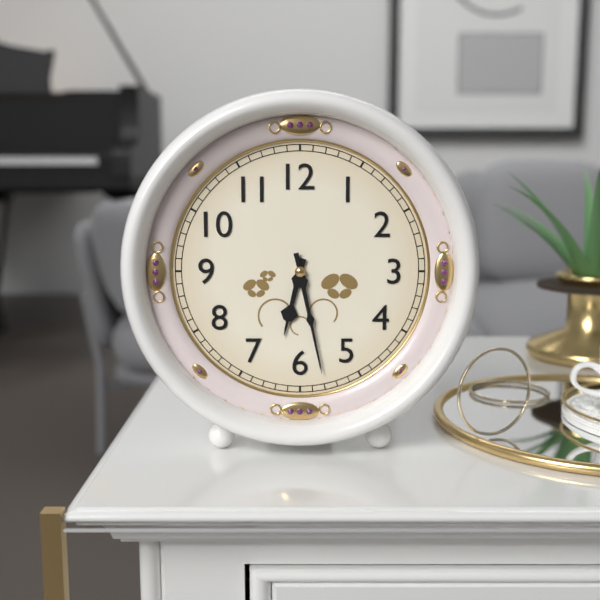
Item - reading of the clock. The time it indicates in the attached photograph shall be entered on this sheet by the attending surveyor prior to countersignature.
6:28
